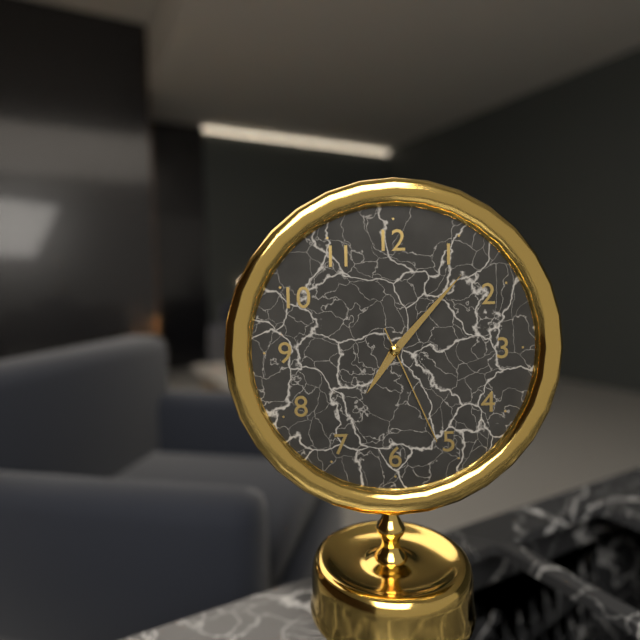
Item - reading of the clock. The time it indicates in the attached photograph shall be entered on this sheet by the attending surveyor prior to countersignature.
7:07:26
